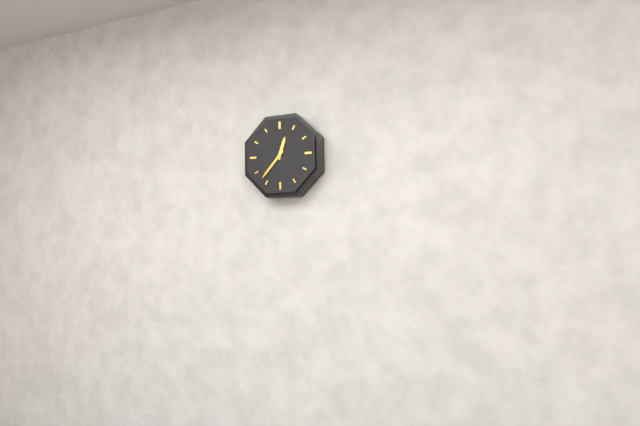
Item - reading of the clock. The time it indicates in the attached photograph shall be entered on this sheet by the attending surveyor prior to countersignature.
12:37
